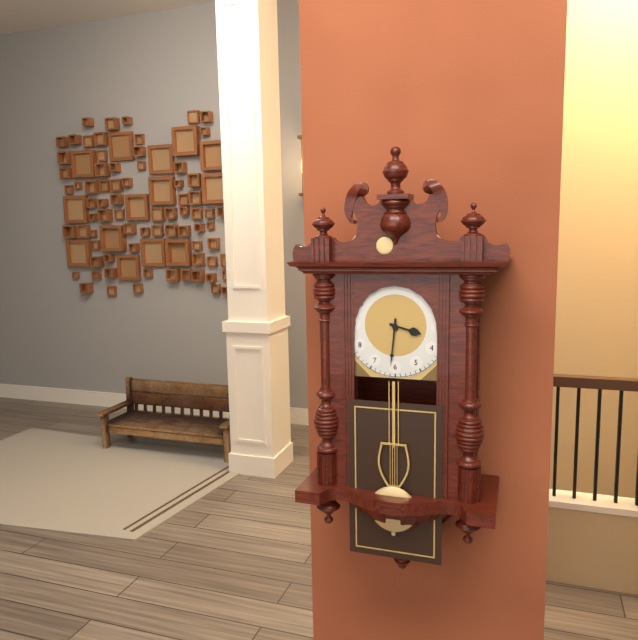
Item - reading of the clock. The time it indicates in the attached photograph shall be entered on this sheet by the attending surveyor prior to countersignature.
3:31
